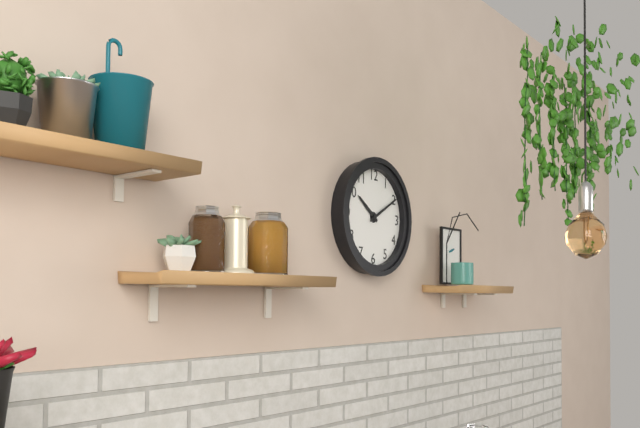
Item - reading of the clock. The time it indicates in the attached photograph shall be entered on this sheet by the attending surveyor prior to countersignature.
10:10
